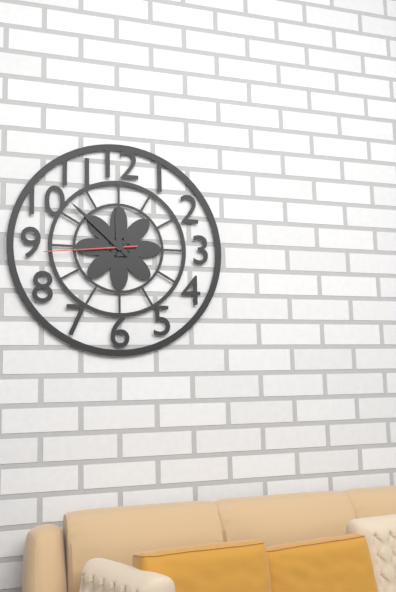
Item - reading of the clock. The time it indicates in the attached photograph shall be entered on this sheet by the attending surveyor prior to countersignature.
11:52:44
